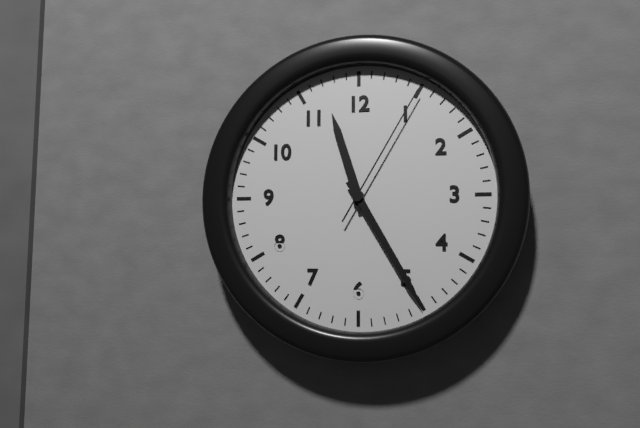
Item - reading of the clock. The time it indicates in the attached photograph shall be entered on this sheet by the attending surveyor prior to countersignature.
11:25:05
